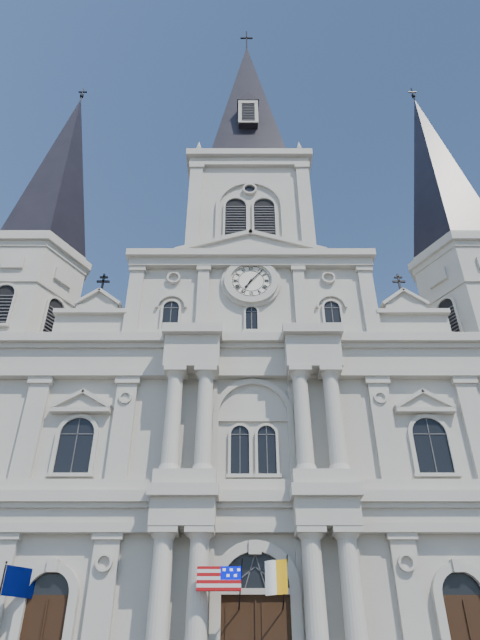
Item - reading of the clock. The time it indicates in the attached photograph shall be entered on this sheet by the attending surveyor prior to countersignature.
7:07
